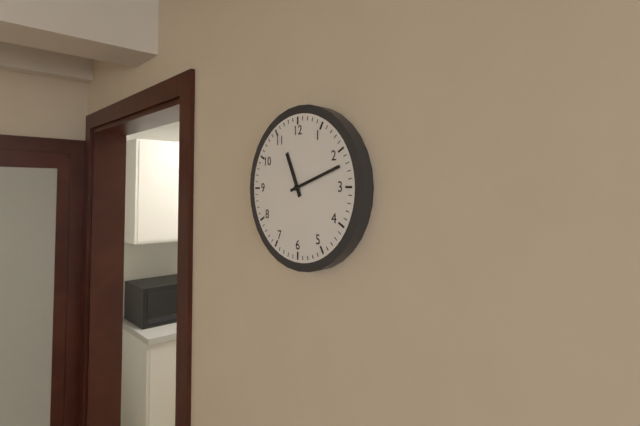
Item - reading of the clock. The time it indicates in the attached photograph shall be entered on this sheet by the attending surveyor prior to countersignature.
11:12
